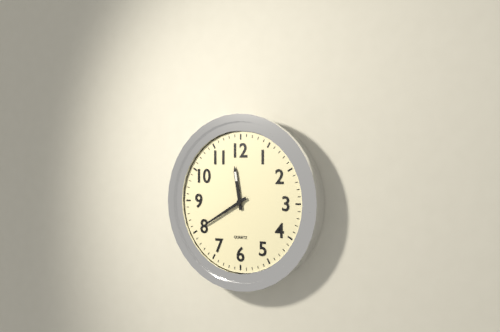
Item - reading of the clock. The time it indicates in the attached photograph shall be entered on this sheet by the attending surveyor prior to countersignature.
11:40
